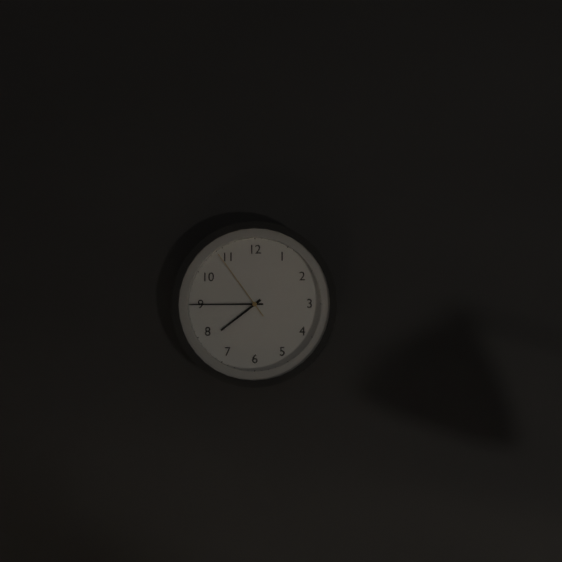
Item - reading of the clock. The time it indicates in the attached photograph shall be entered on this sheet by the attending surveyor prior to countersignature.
7:45:54
